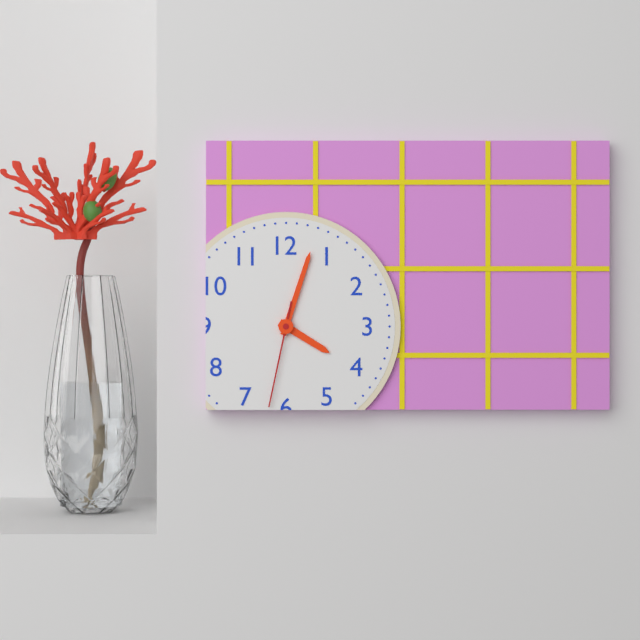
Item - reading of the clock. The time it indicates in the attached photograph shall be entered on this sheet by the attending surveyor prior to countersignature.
4:03:32
